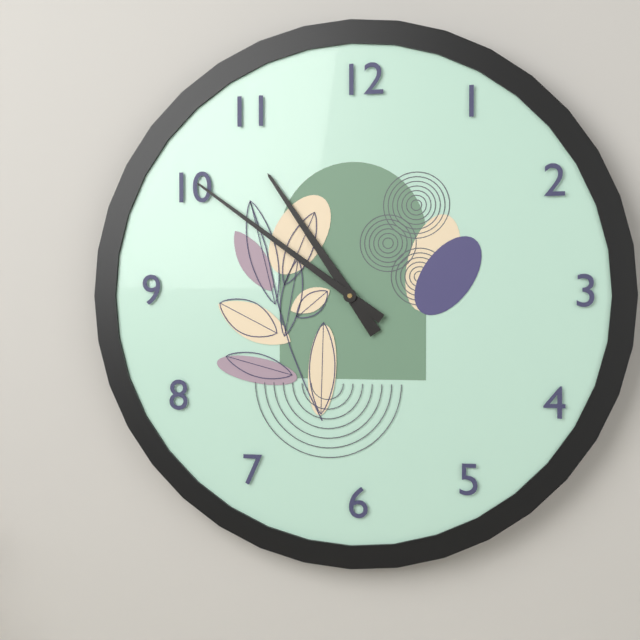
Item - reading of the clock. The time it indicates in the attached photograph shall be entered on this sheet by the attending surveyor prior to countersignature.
10:51
